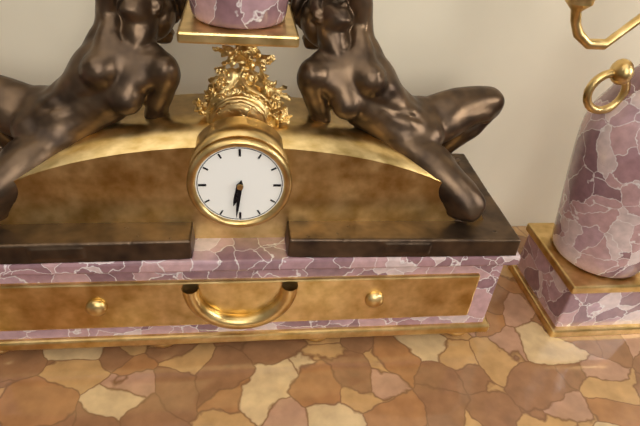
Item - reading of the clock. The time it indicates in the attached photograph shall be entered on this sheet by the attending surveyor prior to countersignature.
6:31
